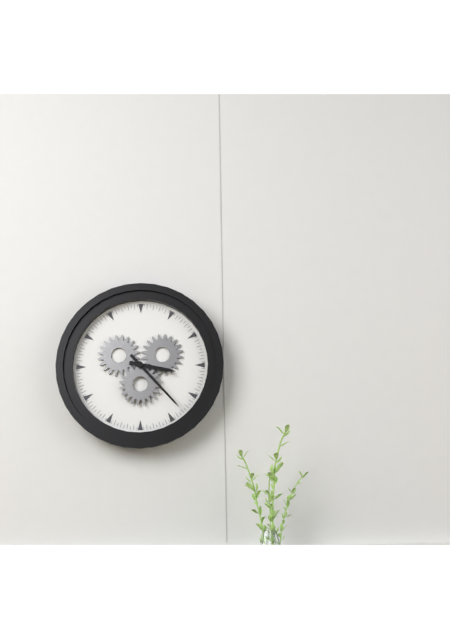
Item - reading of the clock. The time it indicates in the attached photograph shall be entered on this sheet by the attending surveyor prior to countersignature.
3:23
